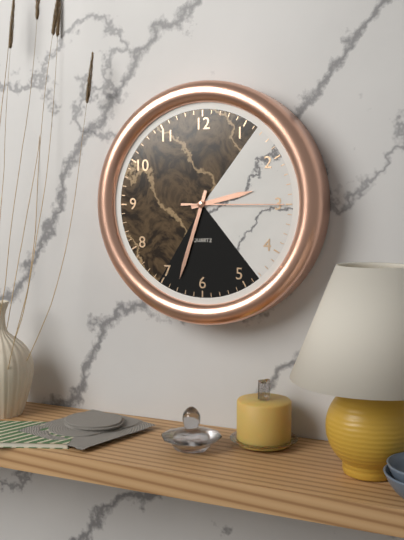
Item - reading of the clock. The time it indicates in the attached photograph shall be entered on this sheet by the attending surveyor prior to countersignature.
2:33:15
